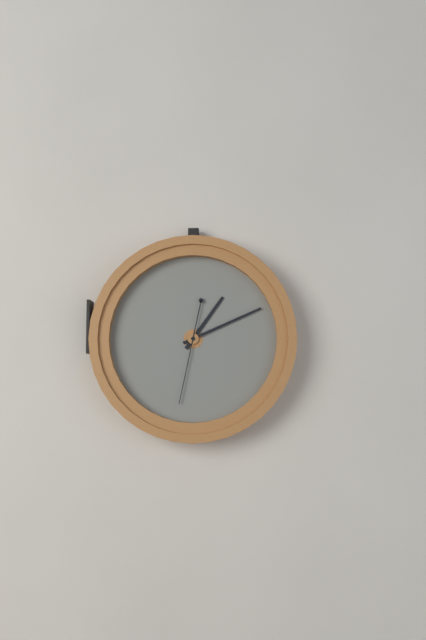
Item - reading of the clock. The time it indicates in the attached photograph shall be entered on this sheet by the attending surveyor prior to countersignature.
1:11:32
